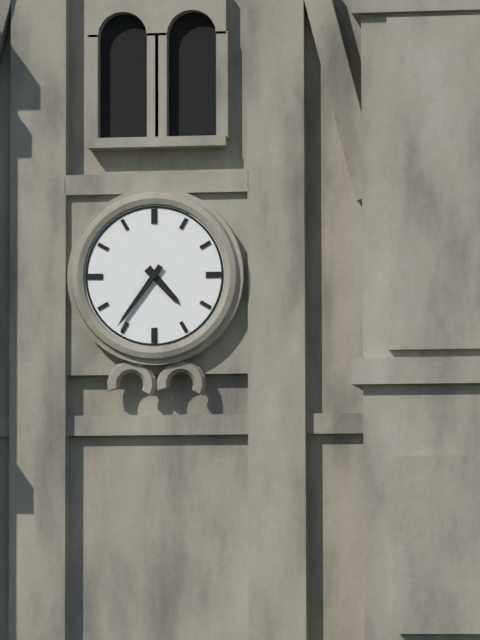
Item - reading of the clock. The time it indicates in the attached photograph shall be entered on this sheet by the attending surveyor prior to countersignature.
4:36
